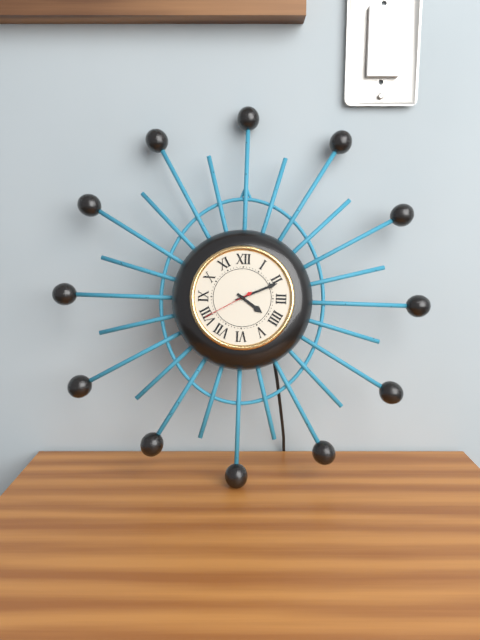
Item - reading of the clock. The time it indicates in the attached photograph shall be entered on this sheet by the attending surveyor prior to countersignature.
4:11:40
